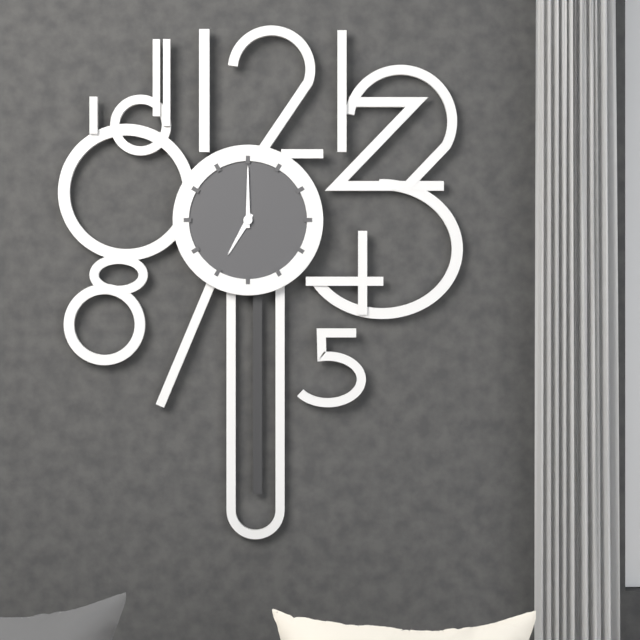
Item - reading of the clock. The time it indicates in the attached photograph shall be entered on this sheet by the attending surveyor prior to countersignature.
7:00
